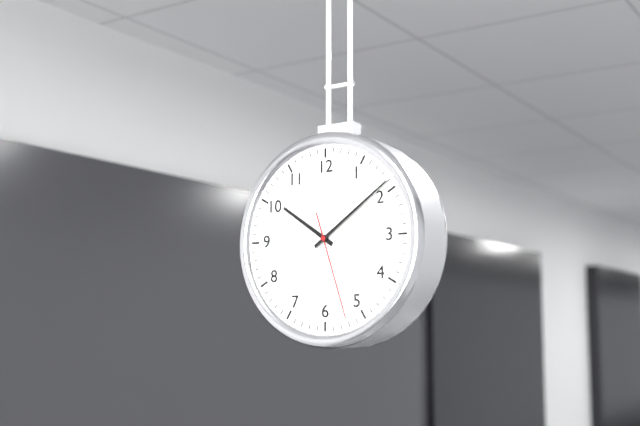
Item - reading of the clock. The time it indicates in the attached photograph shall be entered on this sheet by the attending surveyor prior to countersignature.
10:09:27
